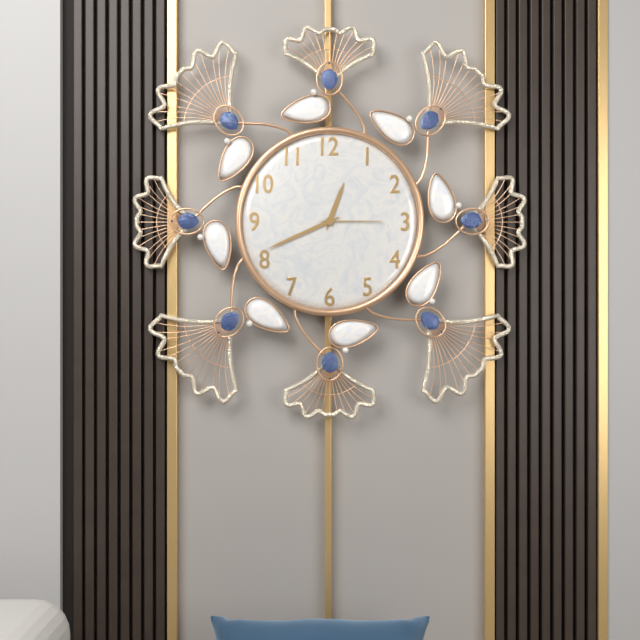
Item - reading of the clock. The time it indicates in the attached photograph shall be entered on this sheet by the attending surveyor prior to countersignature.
12:41:15
